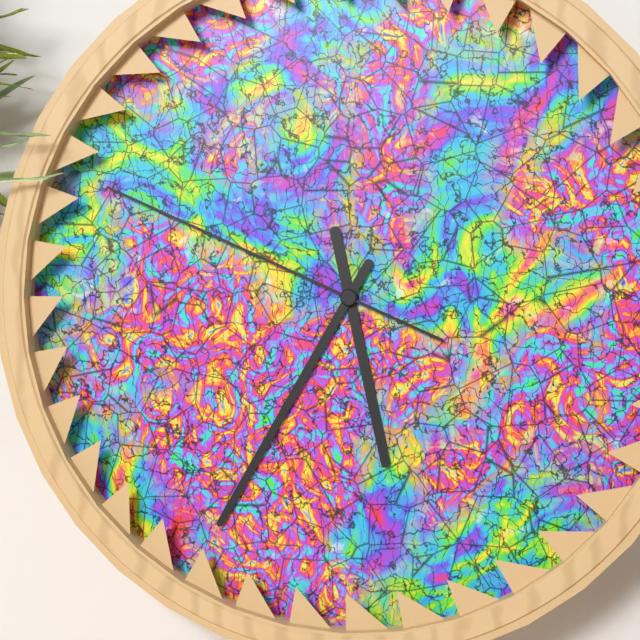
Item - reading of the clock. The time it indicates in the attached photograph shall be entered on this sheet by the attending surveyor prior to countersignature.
5:35:49
